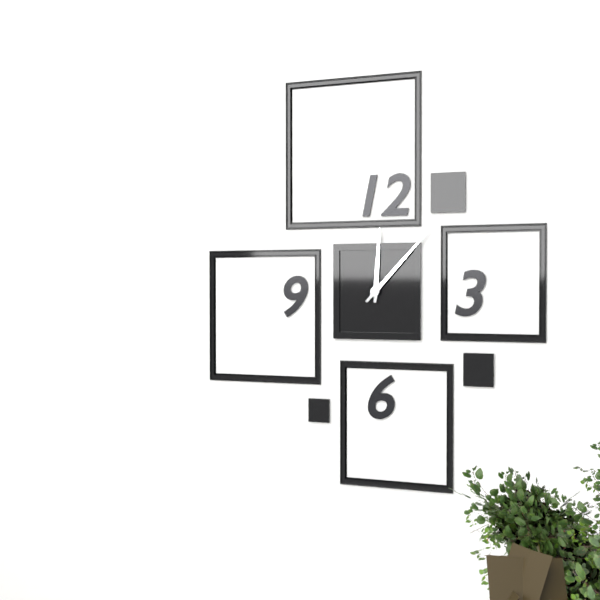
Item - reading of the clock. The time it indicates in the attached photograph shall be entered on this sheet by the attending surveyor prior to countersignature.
12:07
